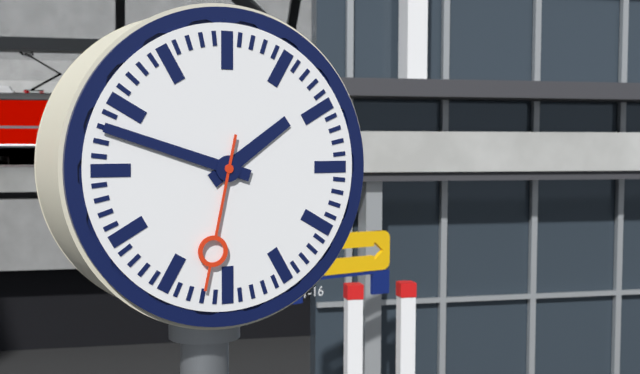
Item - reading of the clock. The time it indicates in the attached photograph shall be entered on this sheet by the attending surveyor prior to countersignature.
1:48:32
